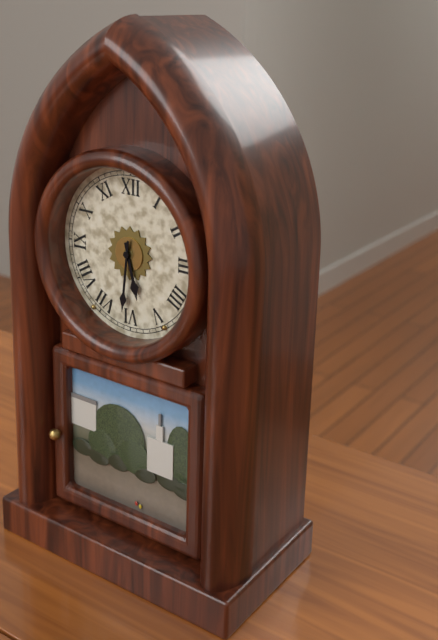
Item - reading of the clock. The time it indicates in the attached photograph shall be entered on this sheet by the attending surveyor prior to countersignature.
5:31
